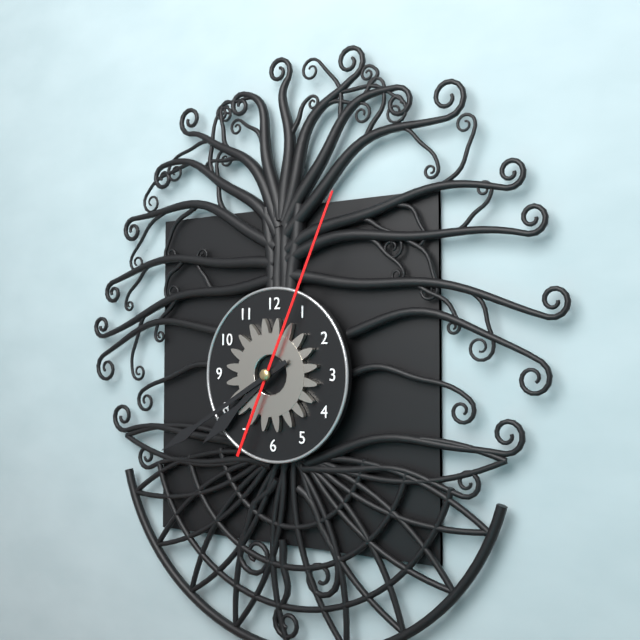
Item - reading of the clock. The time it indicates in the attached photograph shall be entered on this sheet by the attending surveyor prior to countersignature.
7:40:04
